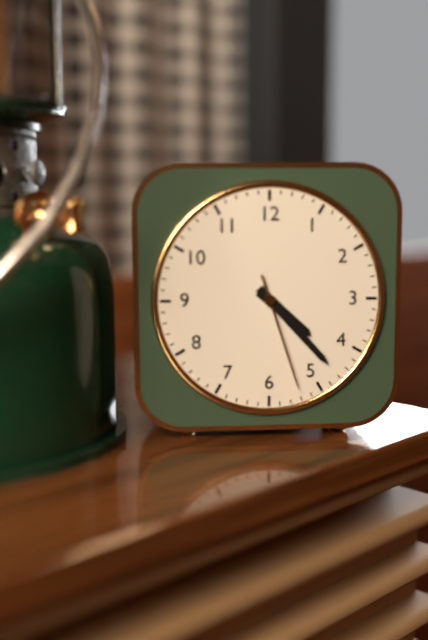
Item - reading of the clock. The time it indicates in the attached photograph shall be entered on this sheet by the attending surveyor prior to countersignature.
4:23:27
